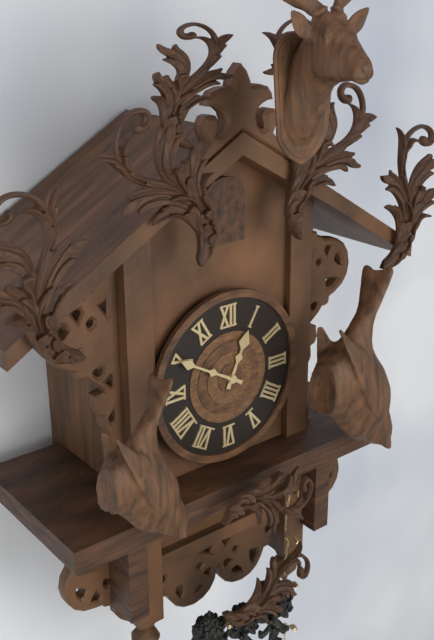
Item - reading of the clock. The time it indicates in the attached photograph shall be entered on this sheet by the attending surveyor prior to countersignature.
12:50
